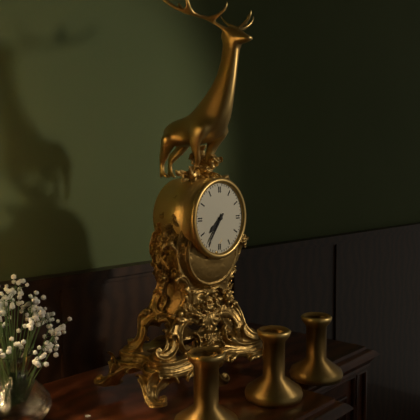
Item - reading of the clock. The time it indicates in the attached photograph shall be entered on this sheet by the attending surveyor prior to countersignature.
7:36
